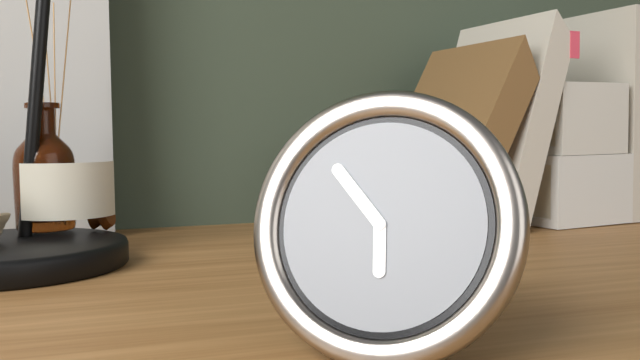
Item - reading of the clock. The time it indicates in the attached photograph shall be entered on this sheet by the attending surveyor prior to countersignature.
5:53
